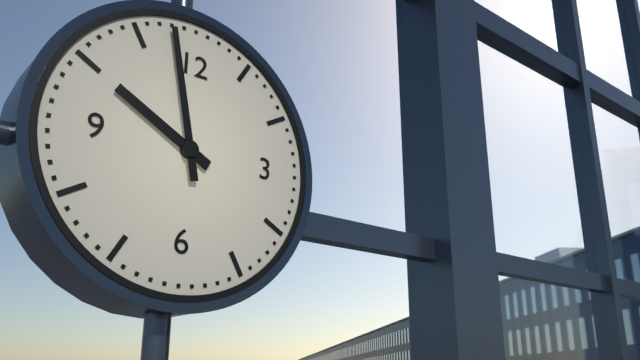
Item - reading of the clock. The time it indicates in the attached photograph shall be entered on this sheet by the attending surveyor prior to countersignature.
9:58
